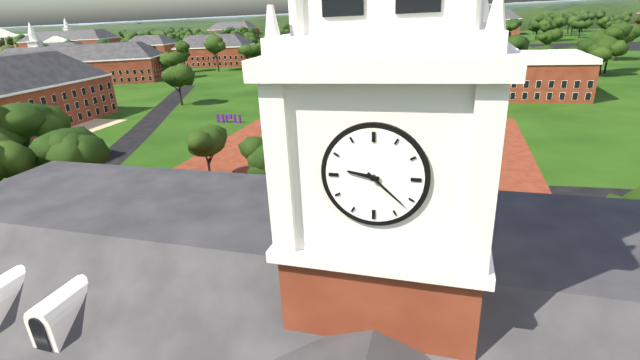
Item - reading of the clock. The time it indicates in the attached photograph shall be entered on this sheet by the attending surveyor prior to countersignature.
9:22
